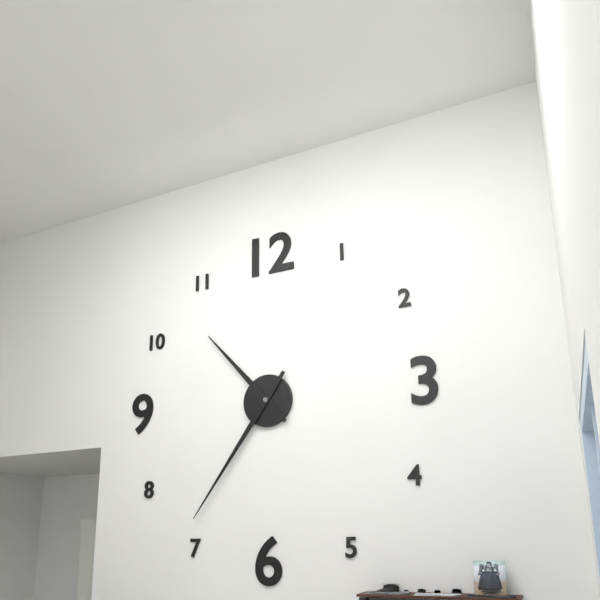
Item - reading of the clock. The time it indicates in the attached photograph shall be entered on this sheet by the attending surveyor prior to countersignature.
10:36
